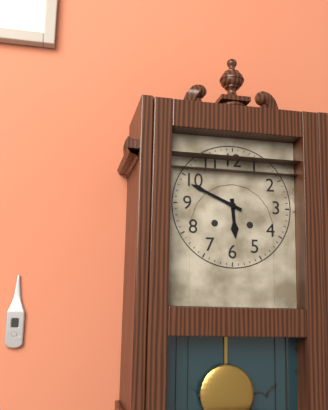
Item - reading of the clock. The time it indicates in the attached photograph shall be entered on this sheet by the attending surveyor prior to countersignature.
5:49
